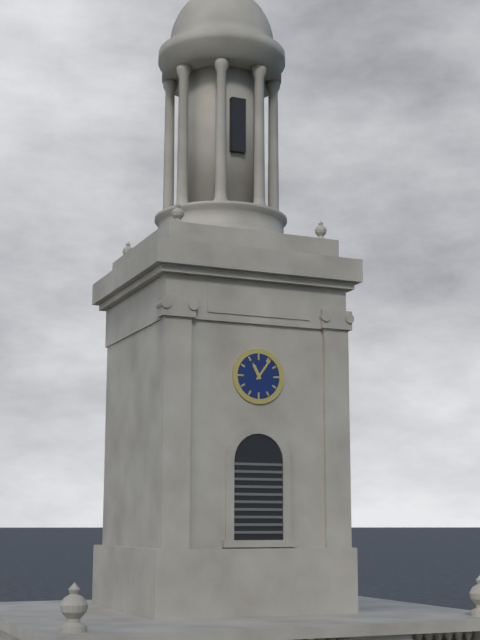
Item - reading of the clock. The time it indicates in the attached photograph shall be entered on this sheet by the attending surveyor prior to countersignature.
11:06
